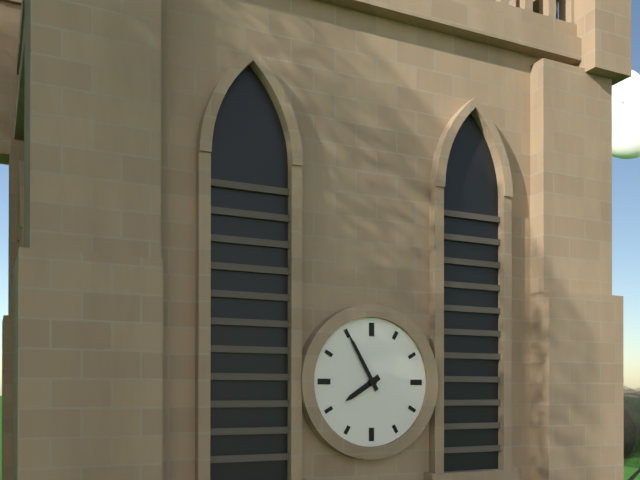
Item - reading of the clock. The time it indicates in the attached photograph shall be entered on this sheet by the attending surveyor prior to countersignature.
7:55
